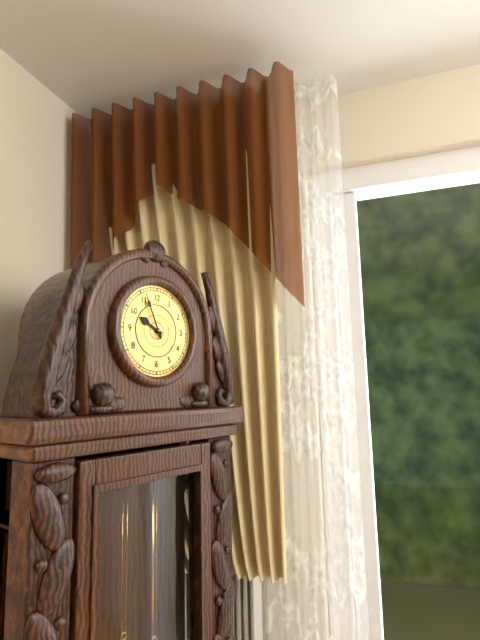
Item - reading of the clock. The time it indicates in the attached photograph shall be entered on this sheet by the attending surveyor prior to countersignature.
9:56
